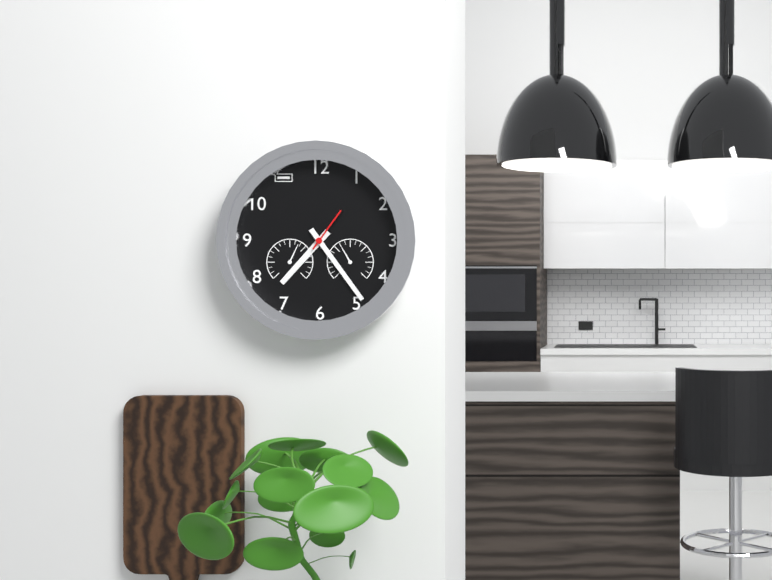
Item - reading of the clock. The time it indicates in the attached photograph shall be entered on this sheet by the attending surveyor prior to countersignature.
7:24
